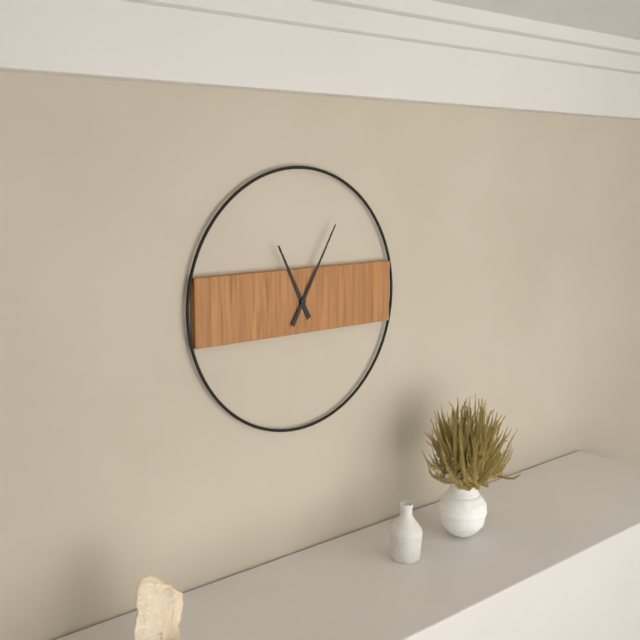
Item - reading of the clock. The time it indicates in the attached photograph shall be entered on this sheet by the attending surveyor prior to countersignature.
11:05
